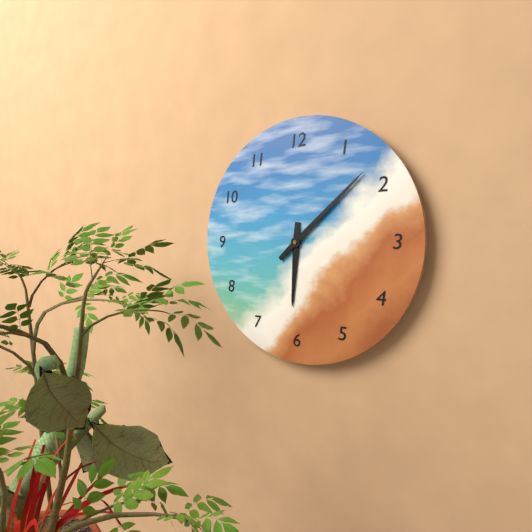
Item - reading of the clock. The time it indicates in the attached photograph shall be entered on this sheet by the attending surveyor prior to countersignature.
6:08
